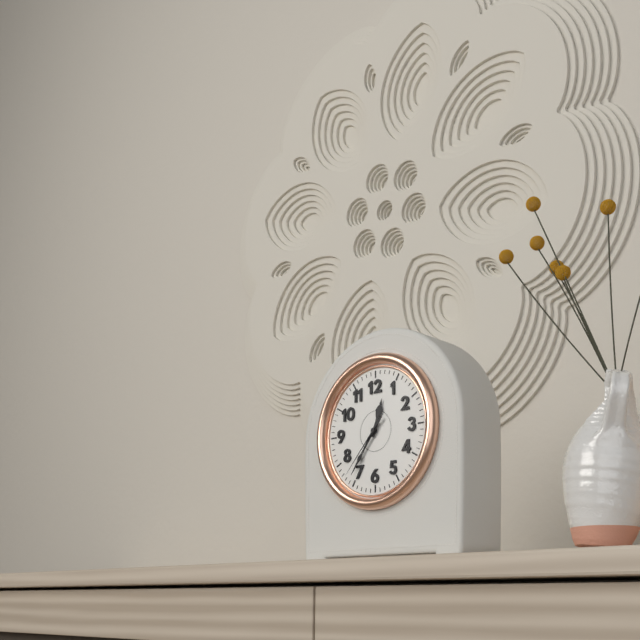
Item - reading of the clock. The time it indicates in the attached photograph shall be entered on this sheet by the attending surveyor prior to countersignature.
12:36:37
